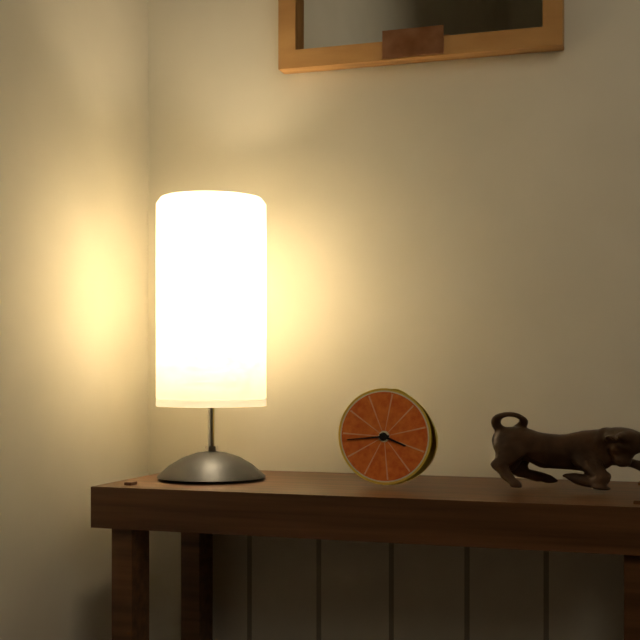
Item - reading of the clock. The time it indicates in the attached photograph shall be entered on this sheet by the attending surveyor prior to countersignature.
3:44
